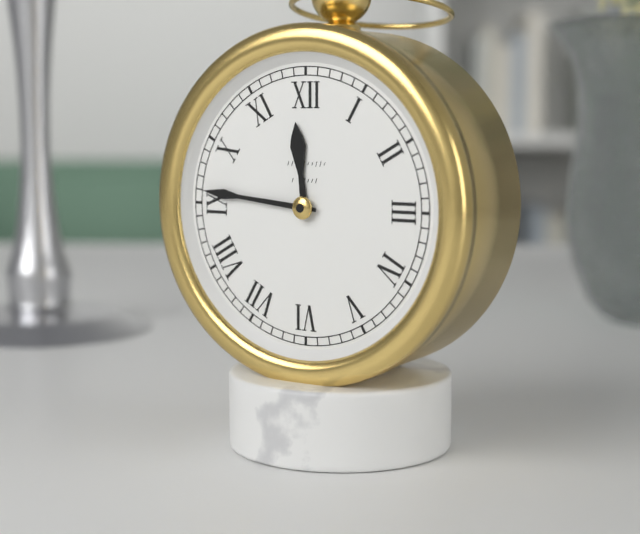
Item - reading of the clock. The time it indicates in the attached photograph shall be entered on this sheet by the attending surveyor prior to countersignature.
11:46
